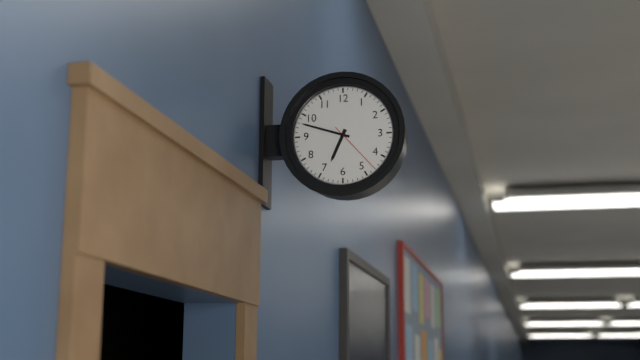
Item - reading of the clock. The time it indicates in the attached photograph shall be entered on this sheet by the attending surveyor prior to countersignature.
6:48:23
